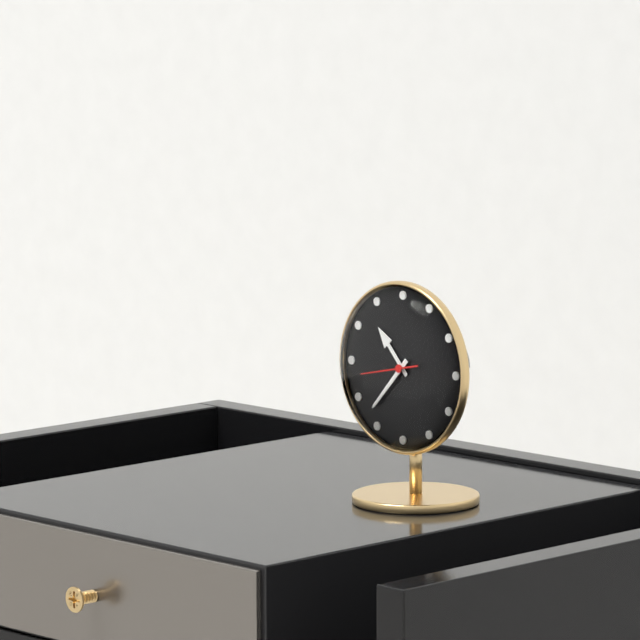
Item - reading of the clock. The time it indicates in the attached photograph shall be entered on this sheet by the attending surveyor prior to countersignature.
10:37
